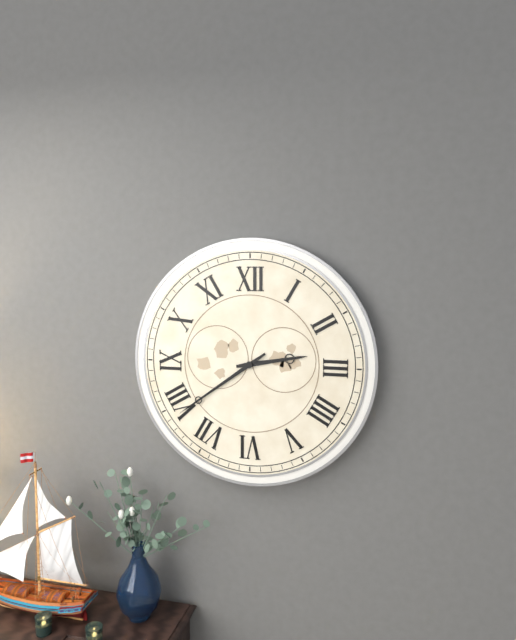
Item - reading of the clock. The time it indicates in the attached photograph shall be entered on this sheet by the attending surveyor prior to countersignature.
2:39
